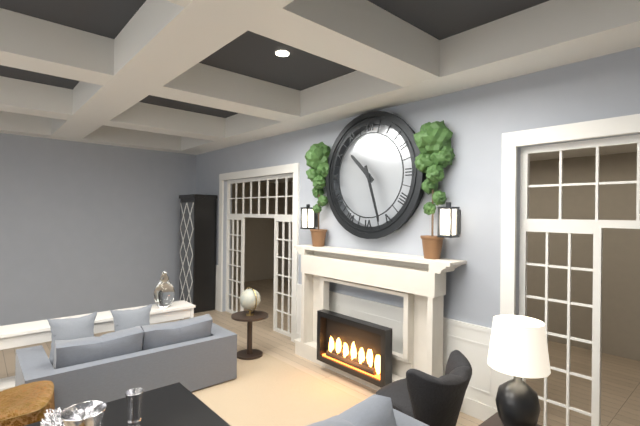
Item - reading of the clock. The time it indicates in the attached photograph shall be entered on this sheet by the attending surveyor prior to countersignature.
10:27
